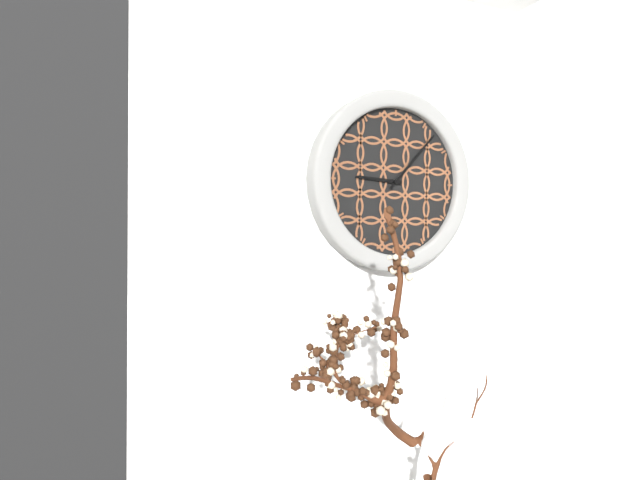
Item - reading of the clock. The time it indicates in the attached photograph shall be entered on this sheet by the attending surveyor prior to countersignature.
9:07
